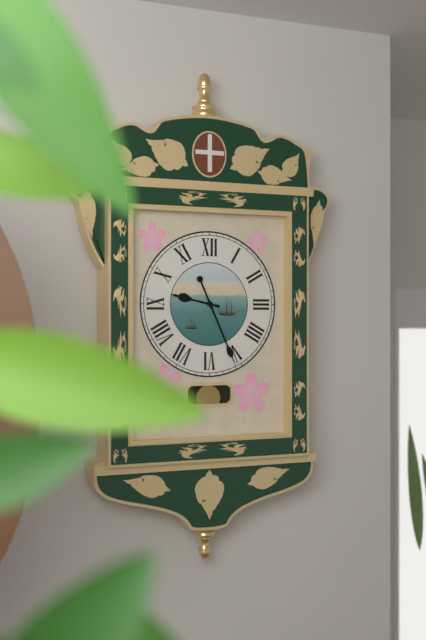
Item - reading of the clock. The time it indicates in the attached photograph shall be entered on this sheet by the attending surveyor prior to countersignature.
9:26
